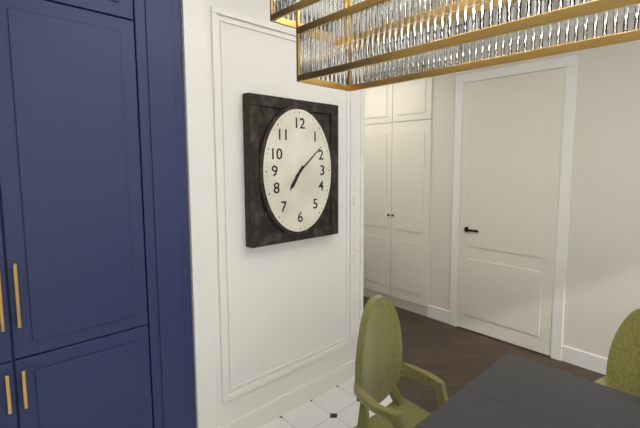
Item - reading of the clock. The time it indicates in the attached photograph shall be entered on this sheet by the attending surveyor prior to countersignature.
7:08
